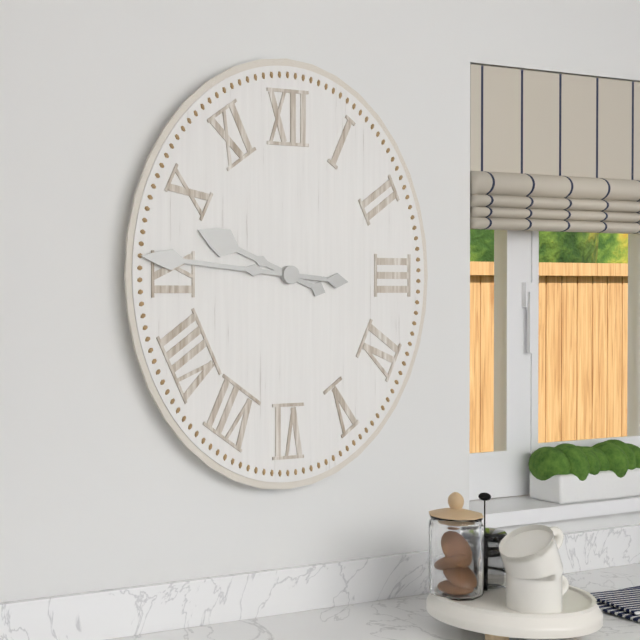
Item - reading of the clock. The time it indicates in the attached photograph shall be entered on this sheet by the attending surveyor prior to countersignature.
9:46
